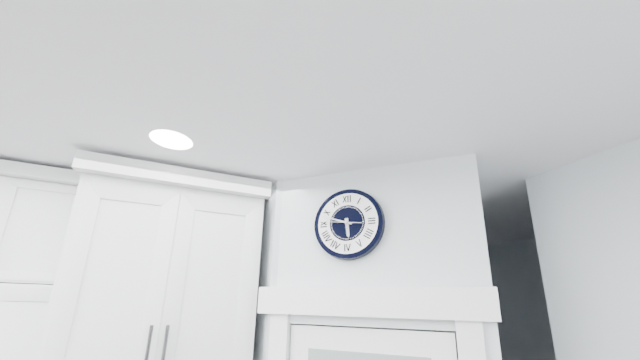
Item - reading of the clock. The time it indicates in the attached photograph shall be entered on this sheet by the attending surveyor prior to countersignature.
5:48
